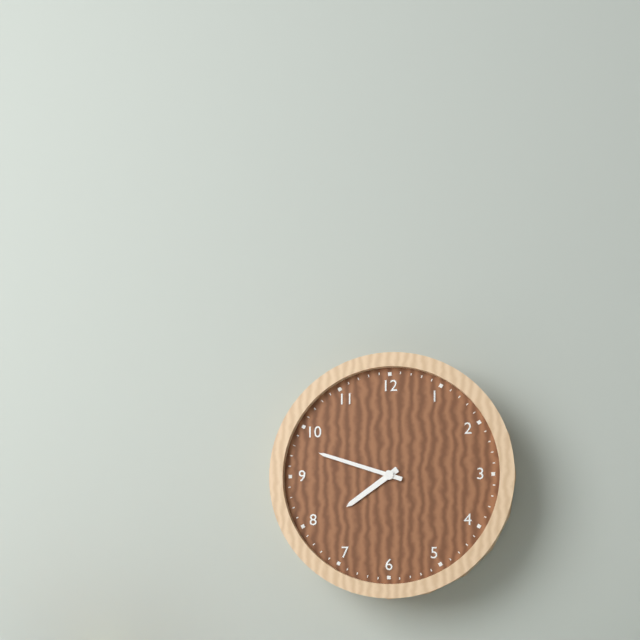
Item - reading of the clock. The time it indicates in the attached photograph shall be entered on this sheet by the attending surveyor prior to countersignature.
7:48
